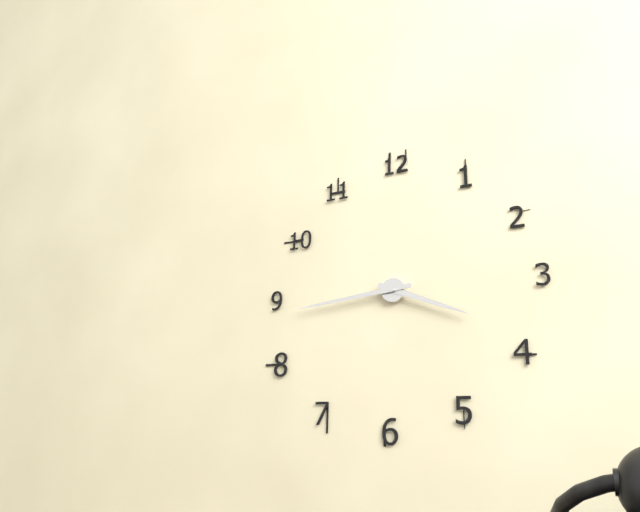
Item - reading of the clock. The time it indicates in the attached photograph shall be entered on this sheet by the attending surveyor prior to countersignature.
3:44
